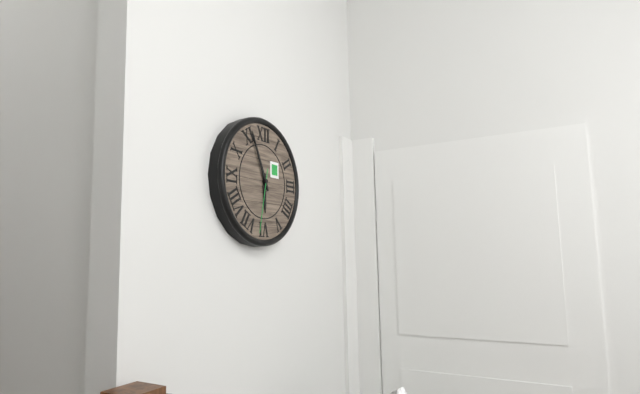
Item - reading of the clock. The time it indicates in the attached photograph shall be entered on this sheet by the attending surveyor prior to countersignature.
5:56:32
